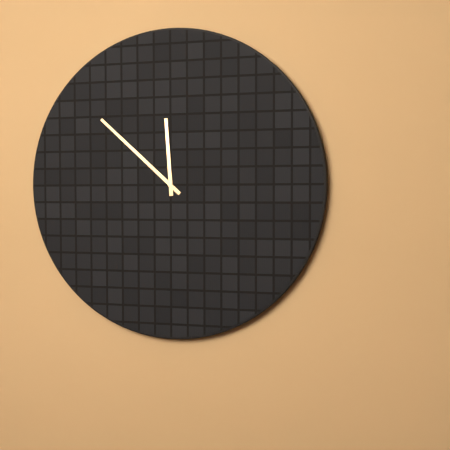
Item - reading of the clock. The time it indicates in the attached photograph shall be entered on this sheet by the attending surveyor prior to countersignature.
11:52
